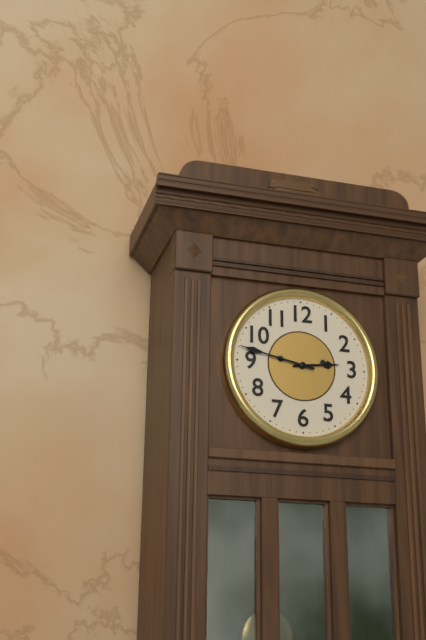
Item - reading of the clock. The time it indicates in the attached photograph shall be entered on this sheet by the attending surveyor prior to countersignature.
2:47
